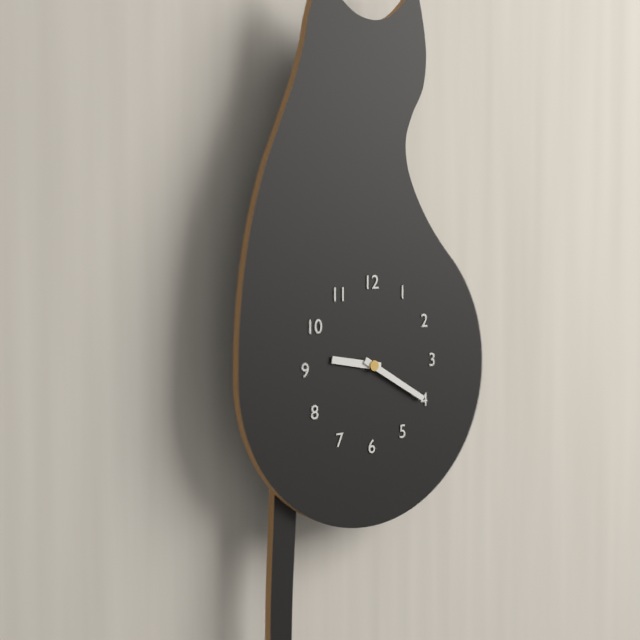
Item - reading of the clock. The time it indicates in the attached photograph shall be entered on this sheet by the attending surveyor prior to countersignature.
9:20
